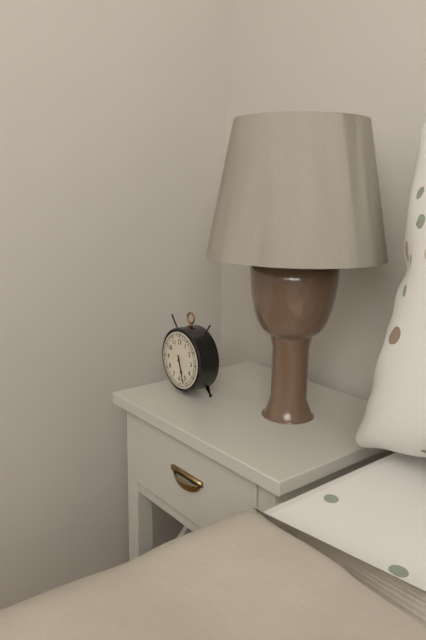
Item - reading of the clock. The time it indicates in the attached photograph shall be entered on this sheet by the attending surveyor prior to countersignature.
5:27
